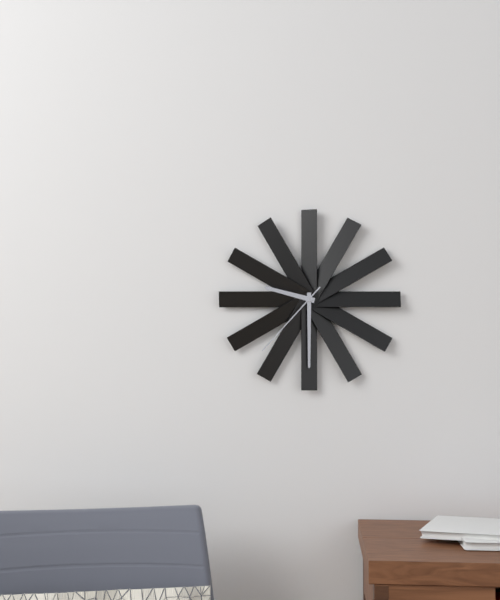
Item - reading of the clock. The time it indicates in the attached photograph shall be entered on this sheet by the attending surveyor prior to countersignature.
9:30:37
